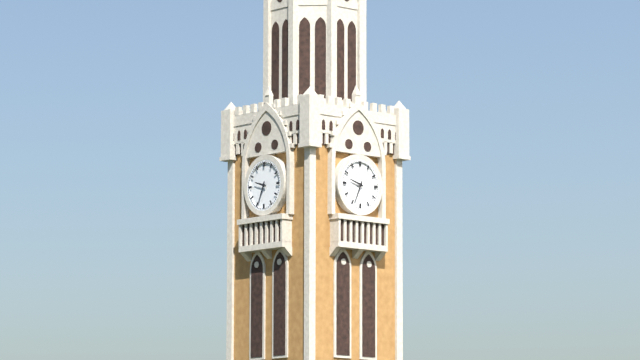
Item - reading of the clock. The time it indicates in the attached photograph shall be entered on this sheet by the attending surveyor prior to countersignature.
9:34
